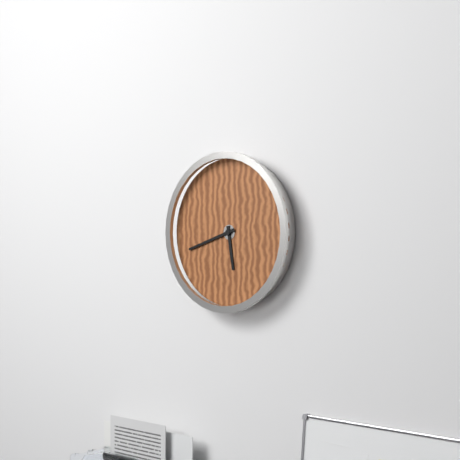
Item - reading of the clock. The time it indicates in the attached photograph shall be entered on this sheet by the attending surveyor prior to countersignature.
5:42
